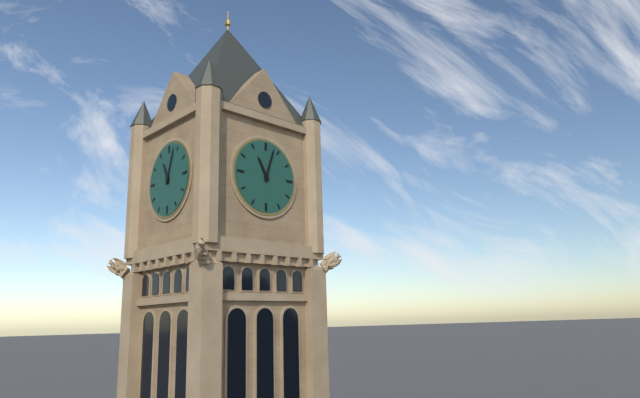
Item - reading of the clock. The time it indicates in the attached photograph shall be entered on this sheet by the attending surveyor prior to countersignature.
11:03
